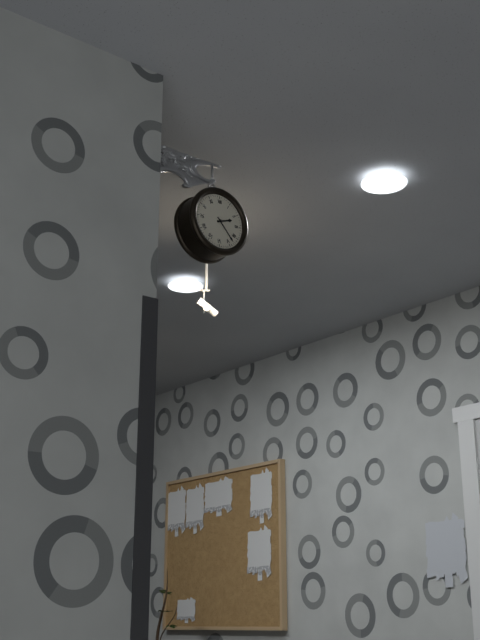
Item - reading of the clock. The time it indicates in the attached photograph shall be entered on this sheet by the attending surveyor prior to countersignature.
2:23
